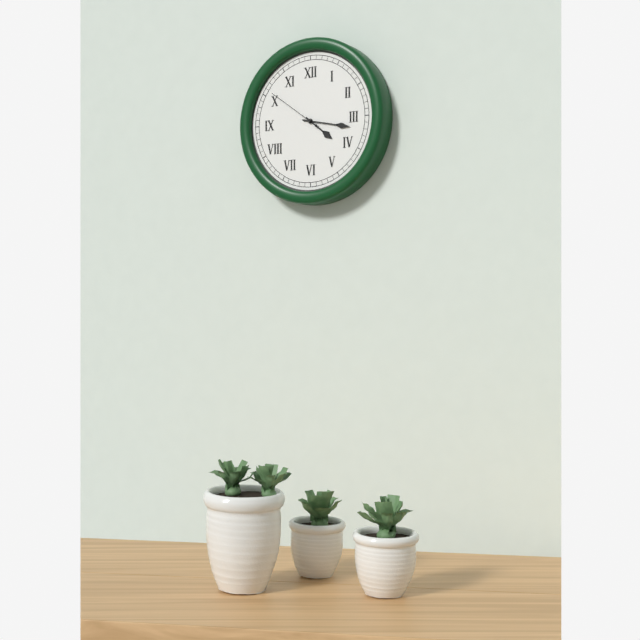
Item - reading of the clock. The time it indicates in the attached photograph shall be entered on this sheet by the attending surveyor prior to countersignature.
4:17:51
